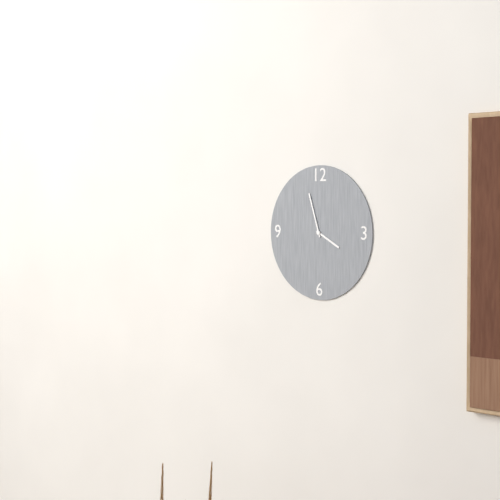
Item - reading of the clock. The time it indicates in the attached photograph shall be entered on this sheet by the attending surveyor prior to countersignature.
3:57
